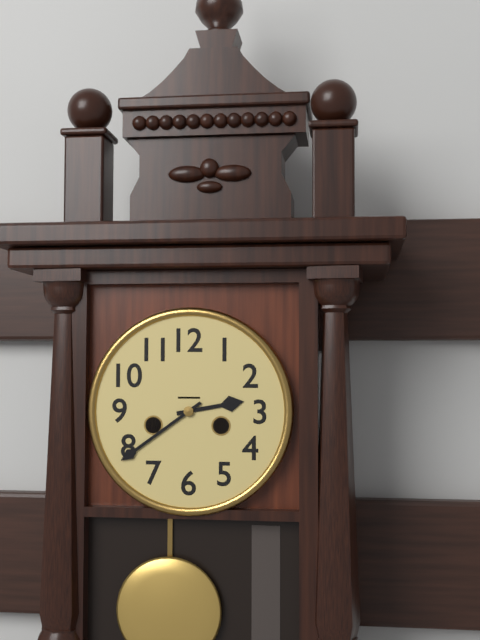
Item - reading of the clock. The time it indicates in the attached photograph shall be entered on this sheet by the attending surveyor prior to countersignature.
2:39
